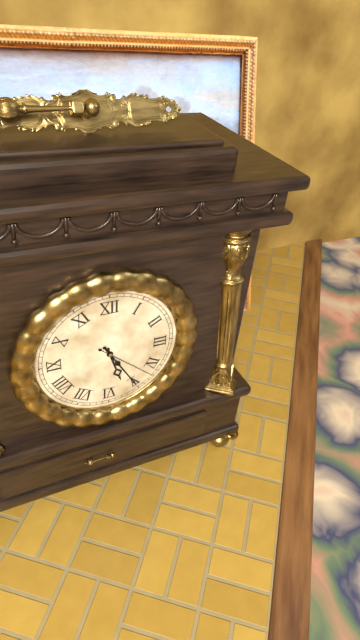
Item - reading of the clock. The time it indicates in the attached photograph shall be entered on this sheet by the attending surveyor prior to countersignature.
5:25:22
